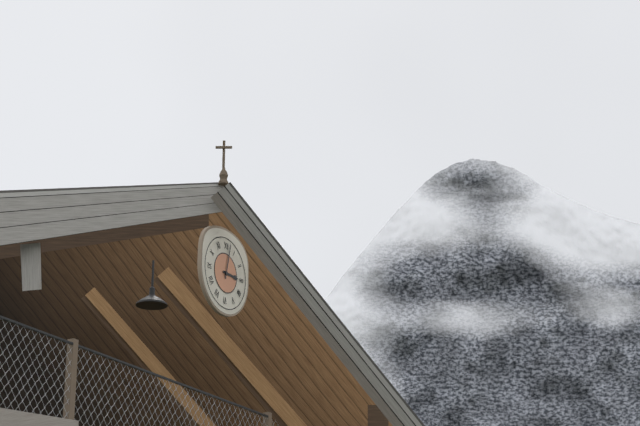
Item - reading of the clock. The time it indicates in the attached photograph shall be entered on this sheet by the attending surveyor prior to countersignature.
3:02
